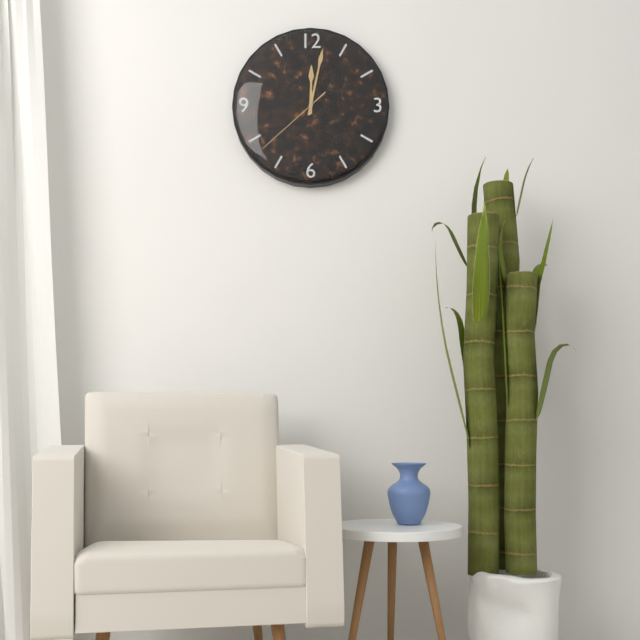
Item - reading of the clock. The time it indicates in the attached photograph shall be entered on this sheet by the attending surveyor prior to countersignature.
12:02:38
